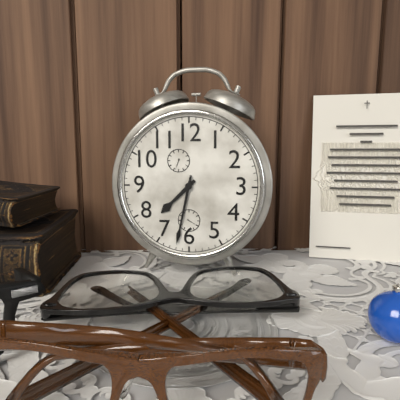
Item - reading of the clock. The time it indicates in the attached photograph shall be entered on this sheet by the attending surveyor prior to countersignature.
7:32
